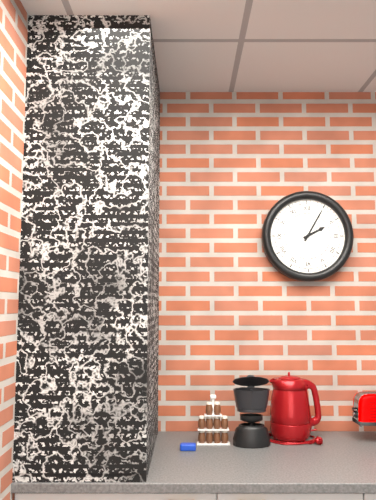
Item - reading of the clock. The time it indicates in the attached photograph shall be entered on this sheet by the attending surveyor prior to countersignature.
2:05
